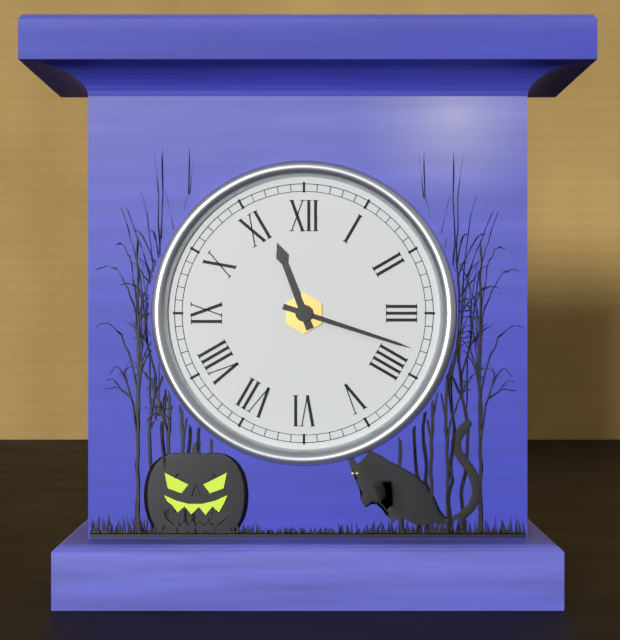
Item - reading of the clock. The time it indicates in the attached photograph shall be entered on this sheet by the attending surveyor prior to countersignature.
11:18
